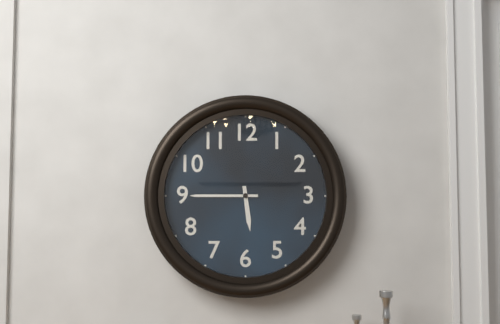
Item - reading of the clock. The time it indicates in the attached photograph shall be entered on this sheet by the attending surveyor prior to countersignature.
5:45
